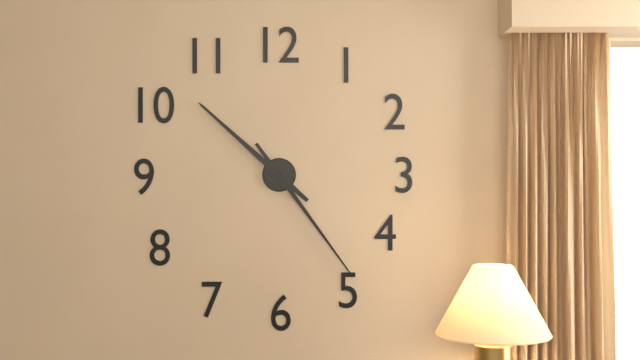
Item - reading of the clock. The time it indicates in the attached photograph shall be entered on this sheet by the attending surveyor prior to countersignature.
10:24
